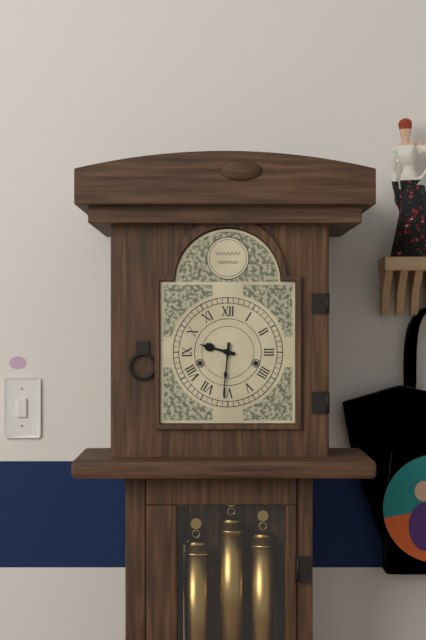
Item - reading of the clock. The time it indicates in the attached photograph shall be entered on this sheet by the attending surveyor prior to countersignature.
9:31
